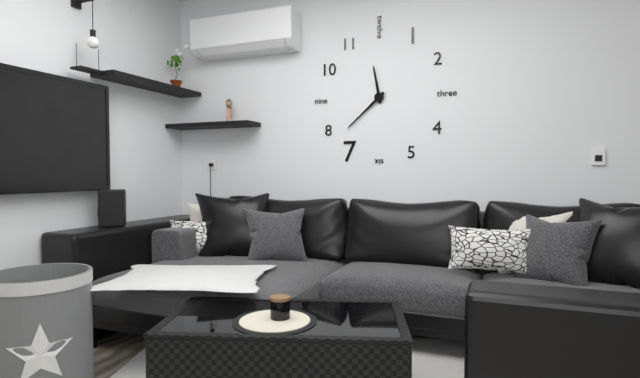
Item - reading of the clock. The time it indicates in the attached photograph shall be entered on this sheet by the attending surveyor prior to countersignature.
11:38
